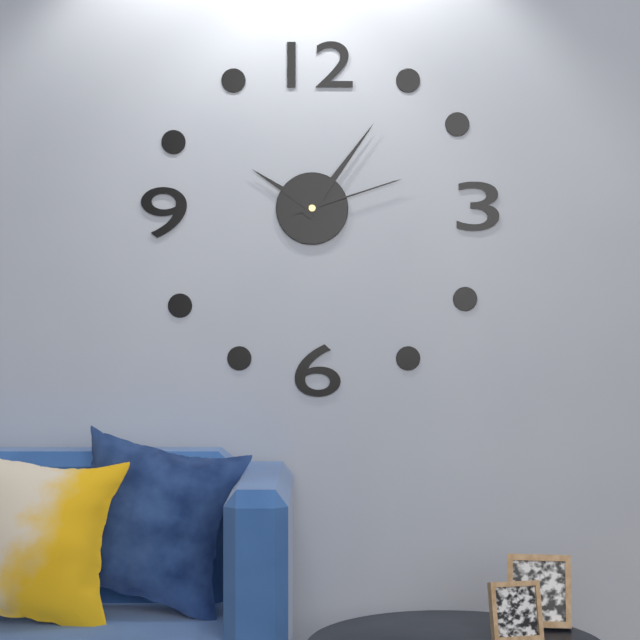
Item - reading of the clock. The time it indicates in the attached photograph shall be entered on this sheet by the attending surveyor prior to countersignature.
10:06:12
